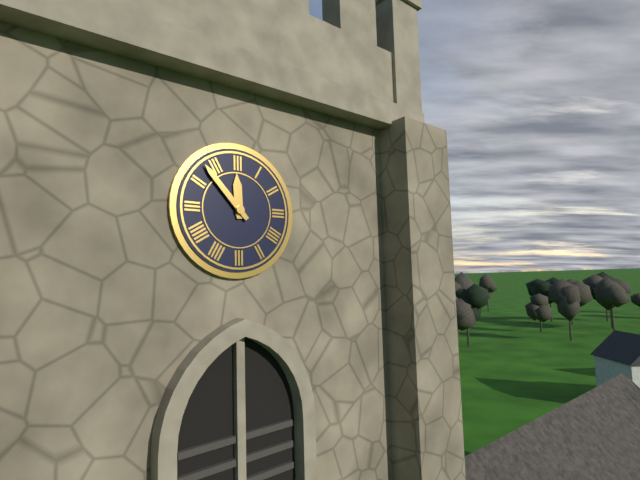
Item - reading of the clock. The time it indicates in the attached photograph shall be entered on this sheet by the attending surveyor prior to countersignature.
11:53
